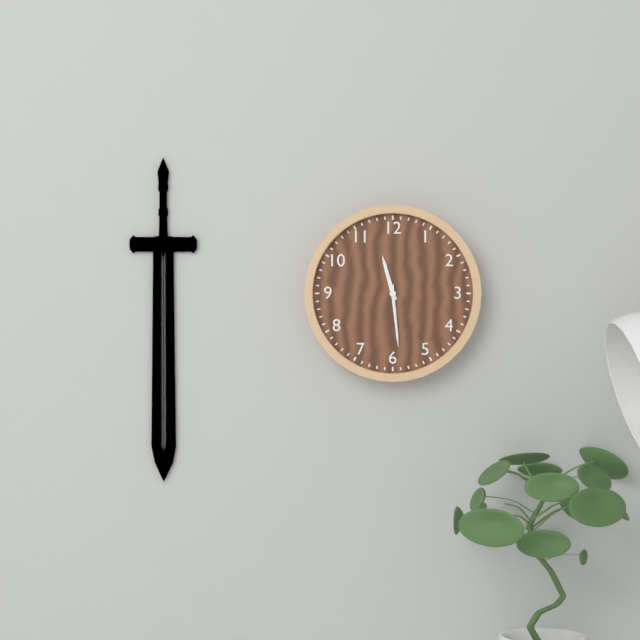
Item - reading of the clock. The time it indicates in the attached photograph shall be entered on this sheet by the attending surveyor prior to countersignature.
11:29
